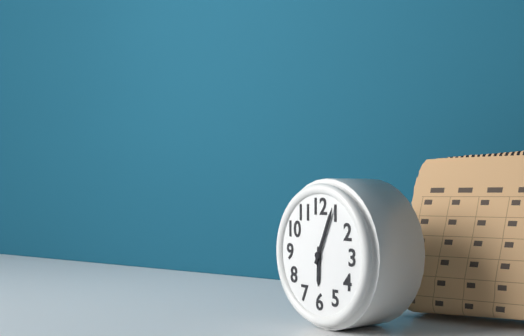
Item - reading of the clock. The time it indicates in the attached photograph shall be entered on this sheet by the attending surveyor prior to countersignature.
6:04
